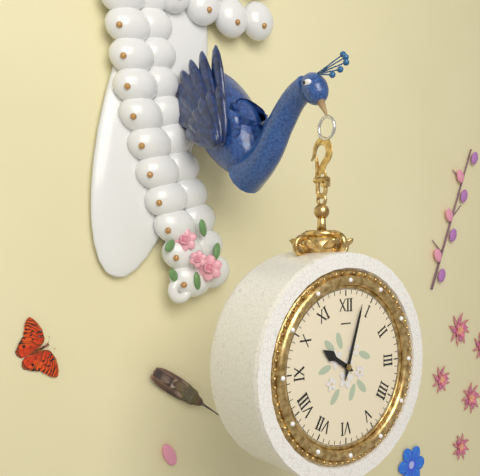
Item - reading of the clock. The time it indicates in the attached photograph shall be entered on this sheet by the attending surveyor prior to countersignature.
10:03
